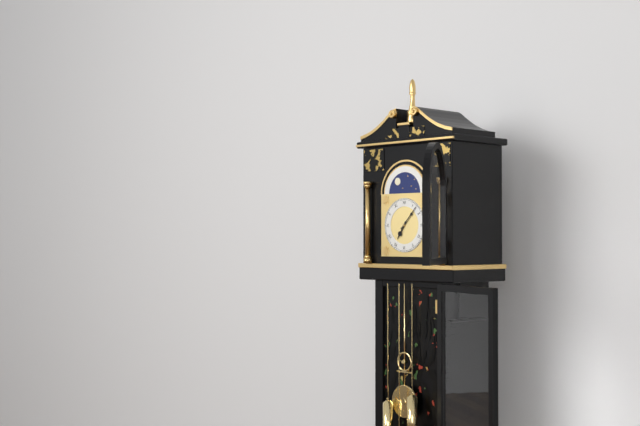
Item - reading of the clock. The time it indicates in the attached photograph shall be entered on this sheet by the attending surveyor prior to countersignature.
7:07
